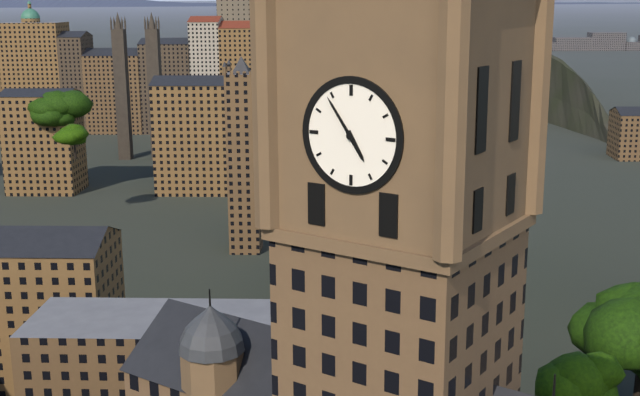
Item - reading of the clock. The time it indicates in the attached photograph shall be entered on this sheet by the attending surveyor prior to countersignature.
4:54
